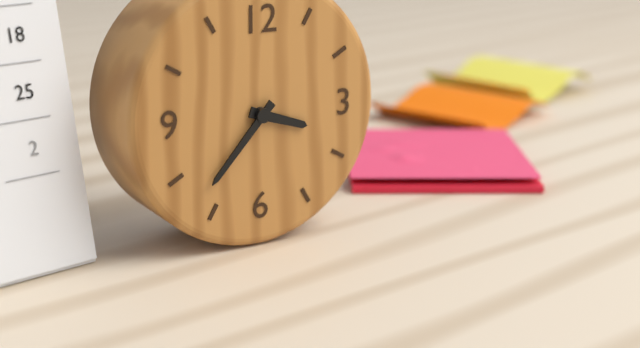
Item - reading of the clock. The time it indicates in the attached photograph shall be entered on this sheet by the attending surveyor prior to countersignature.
3:37
